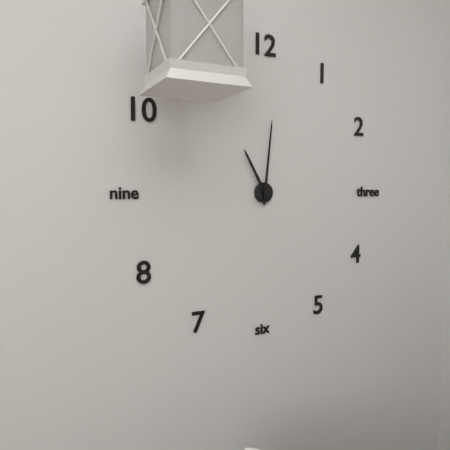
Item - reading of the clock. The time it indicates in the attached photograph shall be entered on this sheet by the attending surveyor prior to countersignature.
11:01
